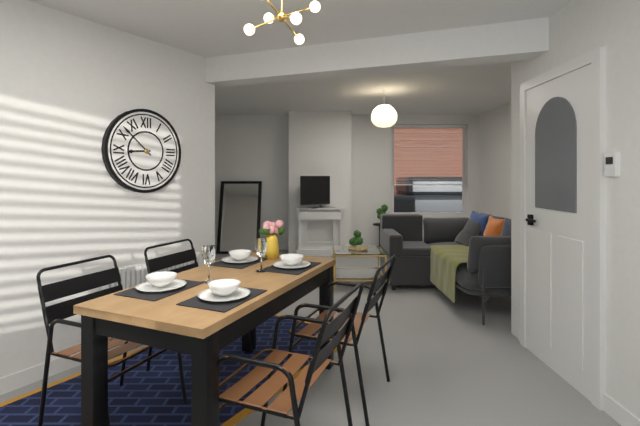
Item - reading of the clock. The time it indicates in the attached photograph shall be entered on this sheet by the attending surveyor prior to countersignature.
8:52
